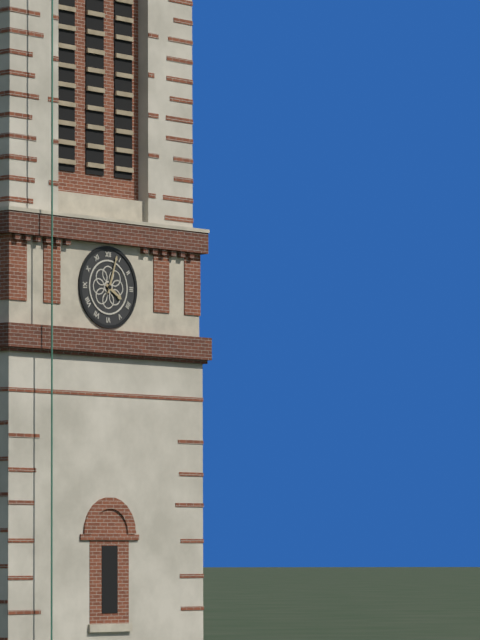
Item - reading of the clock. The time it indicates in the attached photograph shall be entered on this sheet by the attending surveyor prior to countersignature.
4:03
